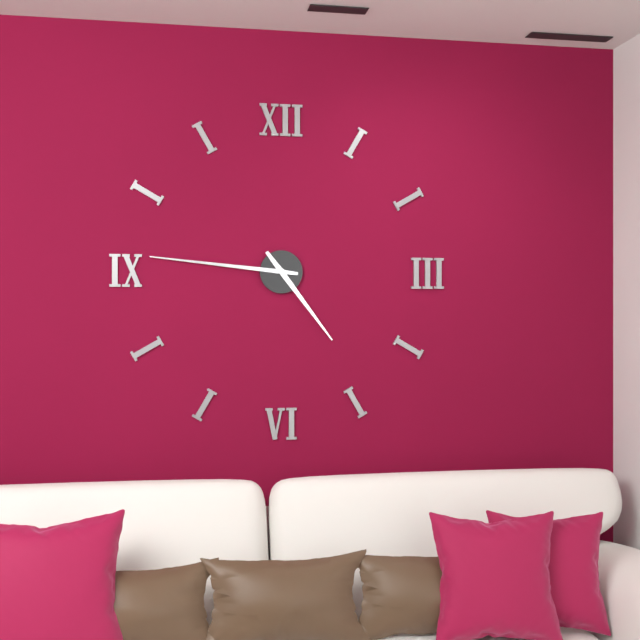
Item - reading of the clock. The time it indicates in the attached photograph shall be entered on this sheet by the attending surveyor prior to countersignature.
4:46
